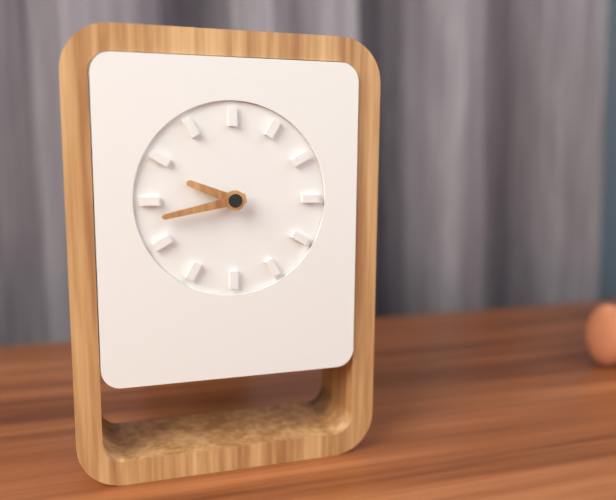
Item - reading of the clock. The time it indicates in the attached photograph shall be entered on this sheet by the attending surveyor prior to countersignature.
9:43
